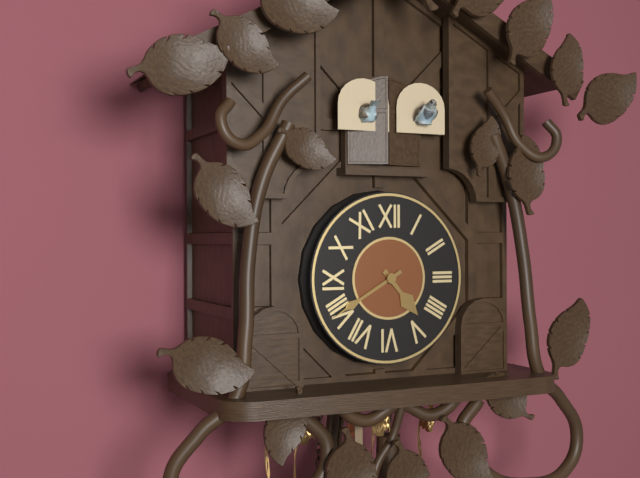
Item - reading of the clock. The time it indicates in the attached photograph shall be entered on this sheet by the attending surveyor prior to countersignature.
4:40
